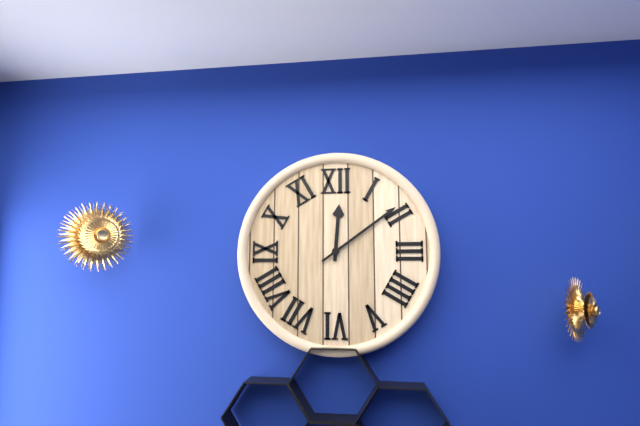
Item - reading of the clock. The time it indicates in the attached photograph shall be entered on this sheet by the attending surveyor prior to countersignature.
12:09
